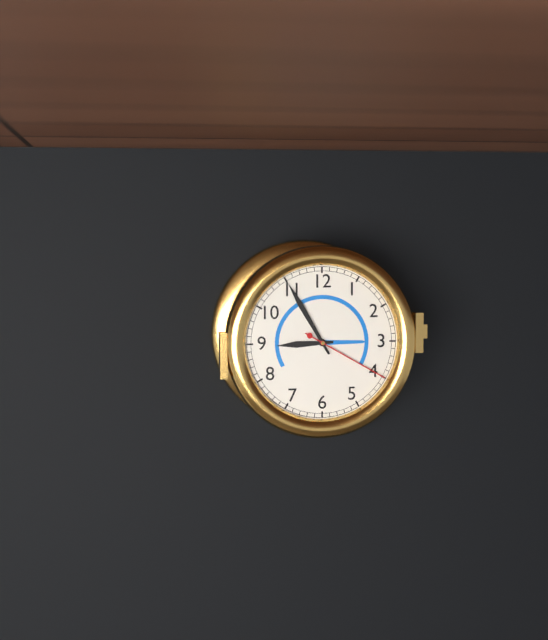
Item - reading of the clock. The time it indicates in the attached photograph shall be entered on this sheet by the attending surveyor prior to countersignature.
8:55:20
